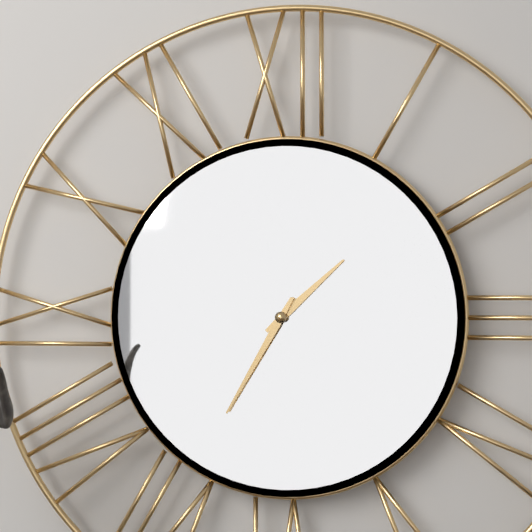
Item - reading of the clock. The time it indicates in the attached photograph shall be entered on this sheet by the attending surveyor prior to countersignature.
1:35
